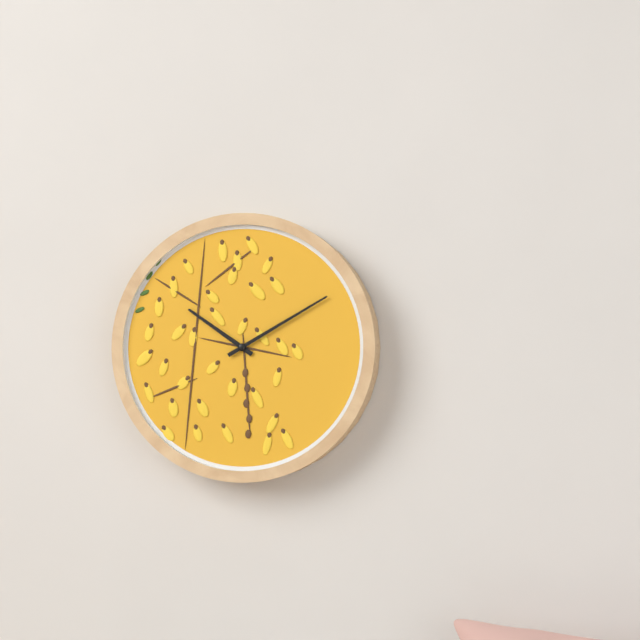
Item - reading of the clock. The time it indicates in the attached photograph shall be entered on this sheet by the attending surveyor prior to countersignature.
10:10
